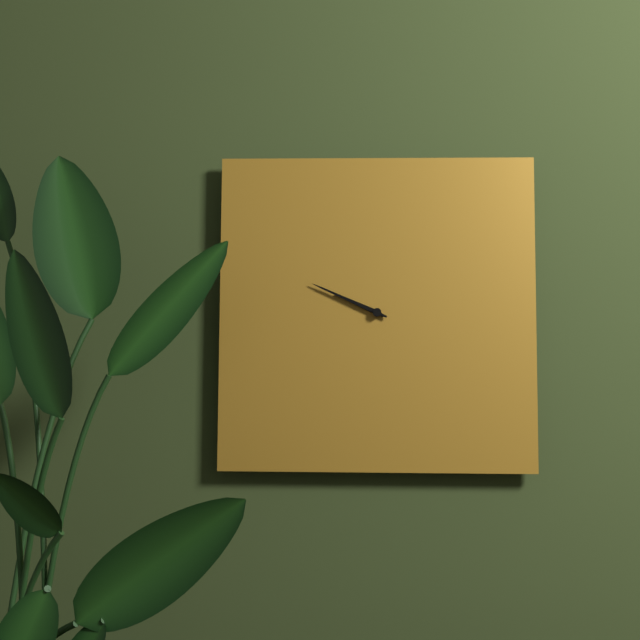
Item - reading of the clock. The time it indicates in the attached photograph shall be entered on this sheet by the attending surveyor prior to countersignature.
9:49
